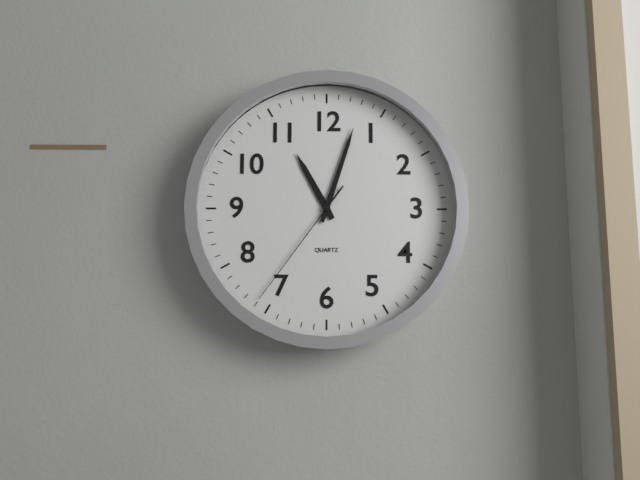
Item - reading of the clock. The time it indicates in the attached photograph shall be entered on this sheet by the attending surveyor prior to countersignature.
11:03:36
